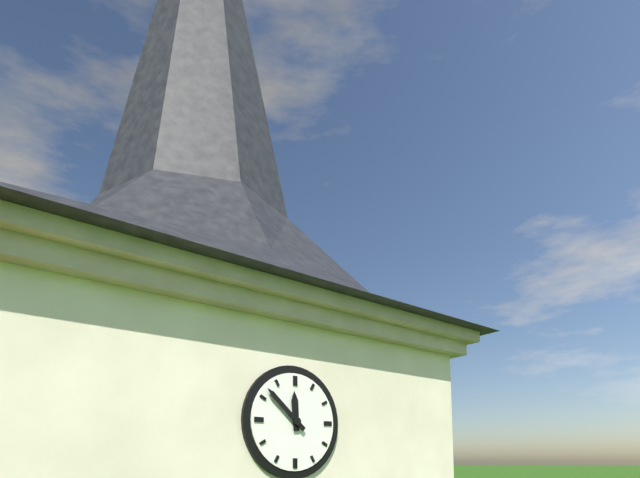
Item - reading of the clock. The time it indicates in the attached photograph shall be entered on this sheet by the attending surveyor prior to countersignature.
11:52
